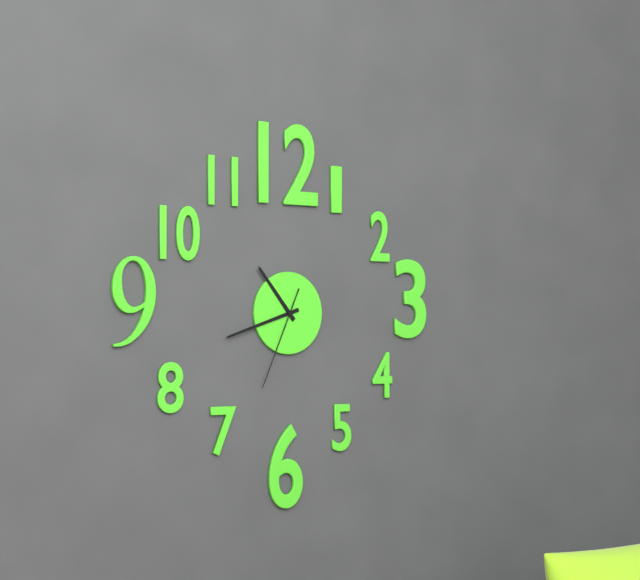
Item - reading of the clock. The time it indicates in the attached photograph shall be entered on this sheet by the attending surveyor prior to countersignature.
10:42:34
